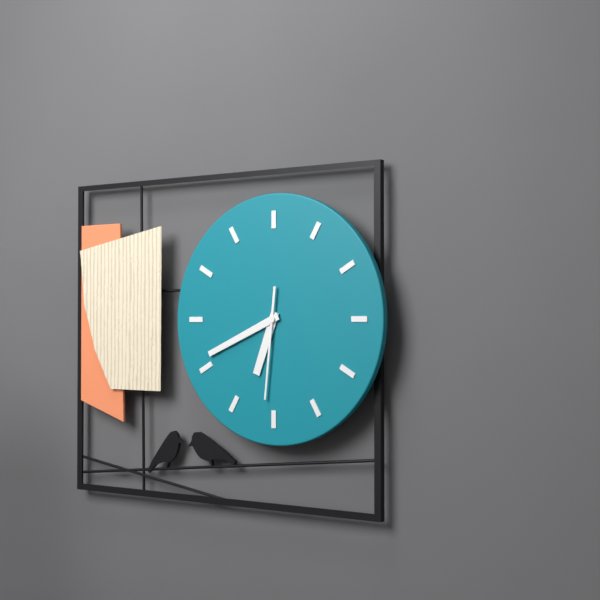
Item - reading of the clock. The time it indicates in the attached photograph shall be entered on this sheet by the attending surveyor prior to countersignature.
6:41:31
